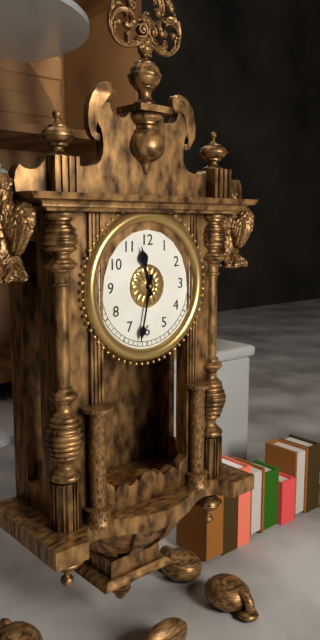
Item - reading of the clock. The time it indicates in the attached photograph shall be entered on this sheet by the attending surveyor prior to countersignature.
11:32
